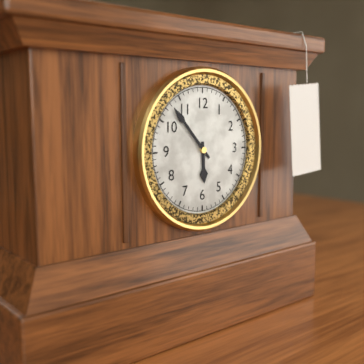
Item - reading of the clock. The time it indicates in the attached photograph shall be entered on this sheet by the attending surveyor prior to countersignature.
5:53
